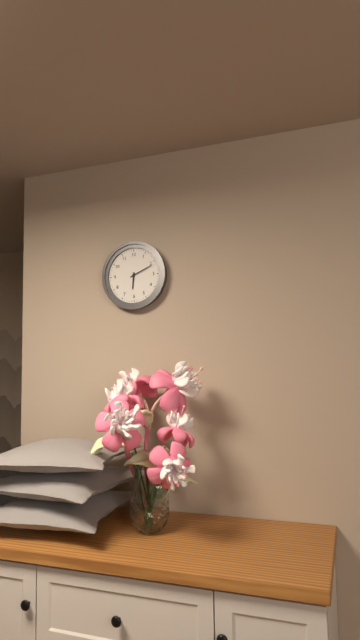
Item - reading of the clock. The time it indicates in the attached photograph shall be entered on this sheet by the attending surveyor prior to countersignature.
6:11
